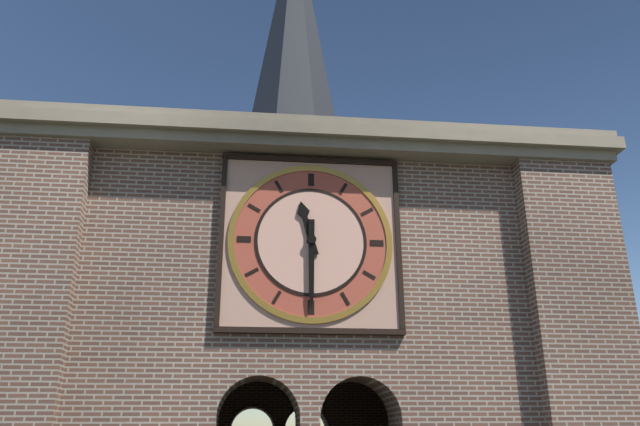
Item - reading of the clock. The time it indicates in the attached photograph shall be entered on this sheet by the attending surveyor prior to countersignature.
11:30
